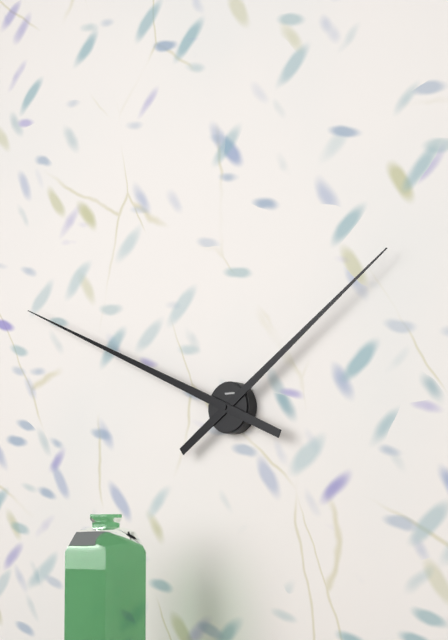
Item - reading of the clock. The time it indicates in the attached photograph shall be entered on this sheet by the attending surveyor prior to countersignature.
1:49
